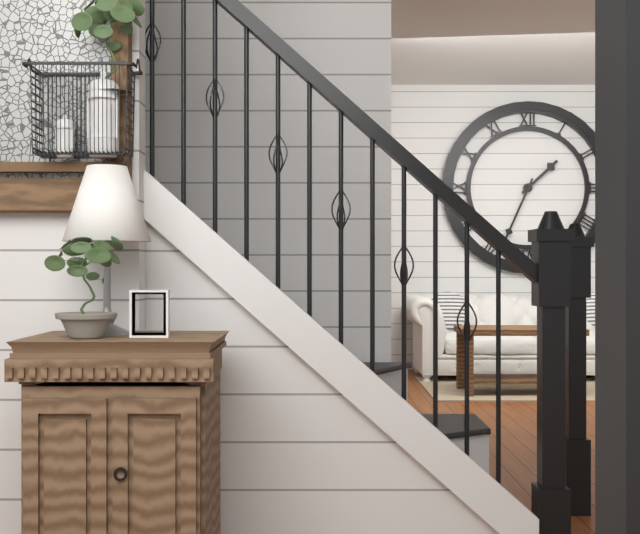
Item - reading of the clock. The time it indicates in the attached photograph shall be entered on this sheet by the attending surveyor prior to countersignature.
1:34
